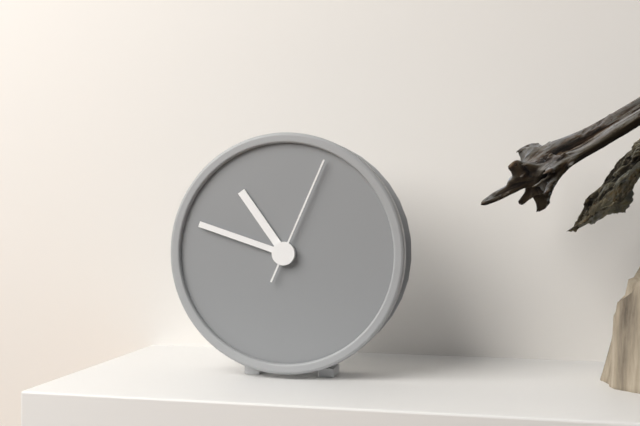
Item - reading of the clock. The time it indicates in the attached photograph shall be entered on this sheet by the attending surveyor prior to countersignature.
10:48:04
